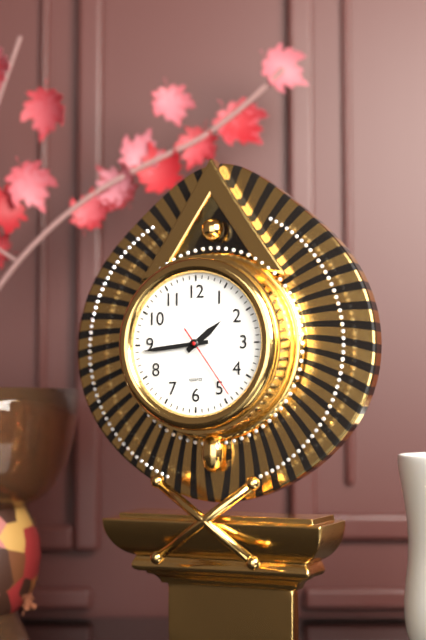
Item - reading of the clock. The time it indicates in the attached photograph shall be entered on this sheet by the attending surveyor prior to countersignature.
1:44:24
